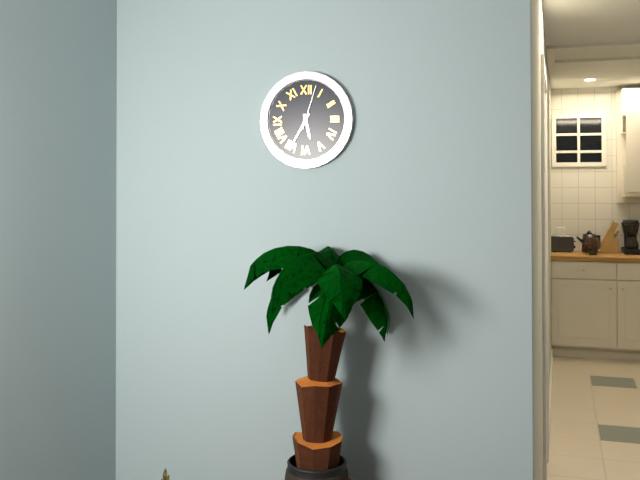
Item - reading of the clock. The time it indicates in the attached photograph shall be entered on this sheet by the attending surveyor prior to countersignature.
5:35
